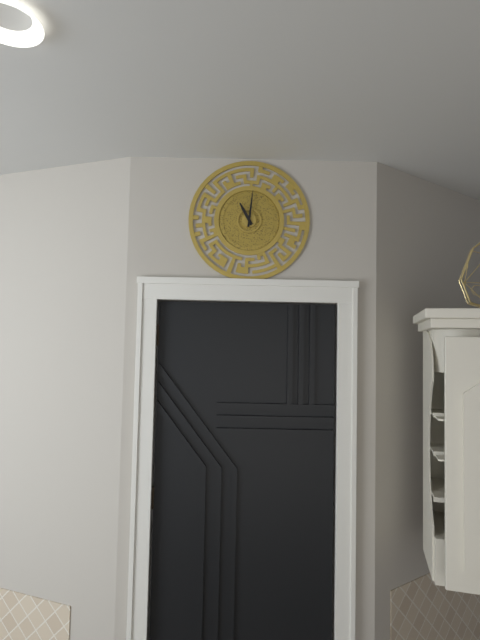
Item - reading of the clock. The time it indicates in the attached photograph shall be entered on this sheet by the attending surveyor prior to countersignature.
11:01
